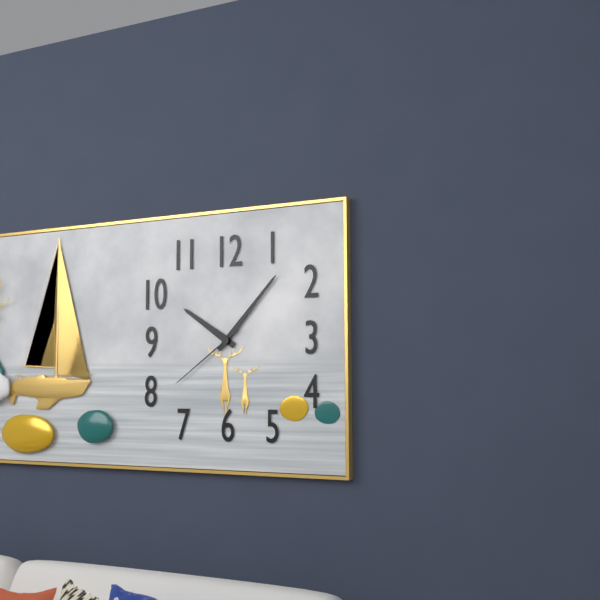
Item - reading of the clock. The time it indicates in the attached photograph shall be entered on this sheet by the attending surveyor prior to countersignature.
10:07:39
